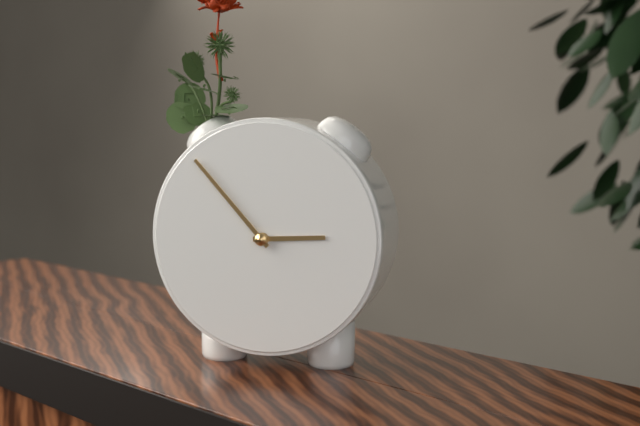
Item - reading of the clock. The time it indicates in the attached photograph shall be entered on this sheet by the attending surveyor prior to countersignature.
2:53
